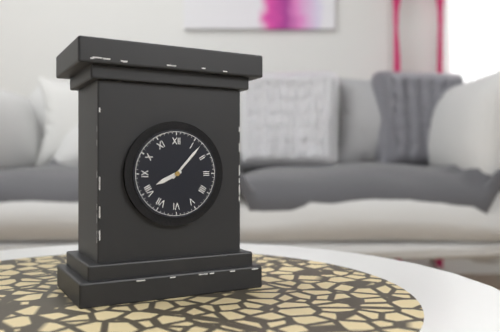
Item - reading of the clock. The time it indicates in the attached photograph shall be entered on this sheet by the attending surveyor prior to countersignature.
8:07
